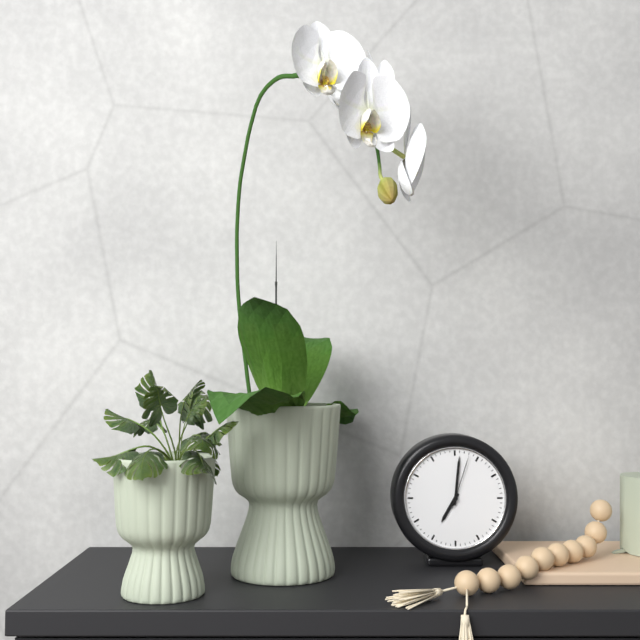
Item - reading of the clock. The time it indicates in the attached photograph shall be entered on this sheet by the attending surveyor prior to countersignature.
7:01:03
